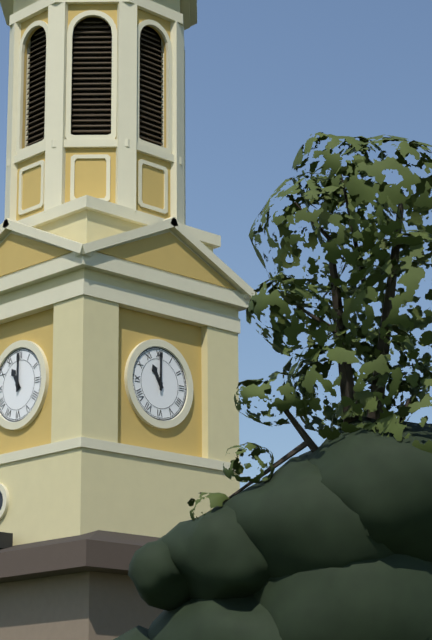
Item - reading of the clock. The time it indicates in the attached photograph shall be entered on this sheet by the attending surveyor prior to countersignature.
11:00
